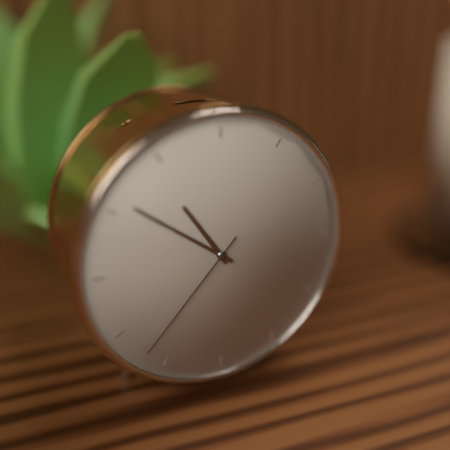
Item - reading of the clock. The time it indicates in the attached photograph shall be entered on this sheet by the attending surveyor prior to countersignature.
10:51:37
